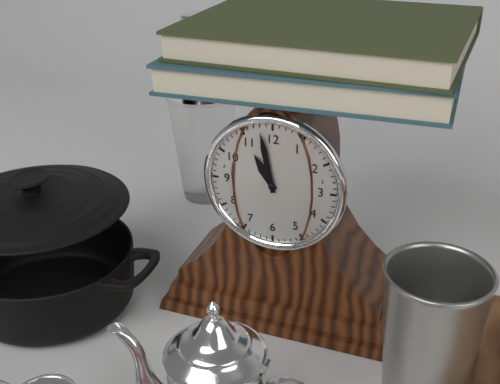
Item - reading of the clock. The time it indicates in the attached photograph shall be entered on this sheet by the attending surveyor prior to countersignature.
10:58
